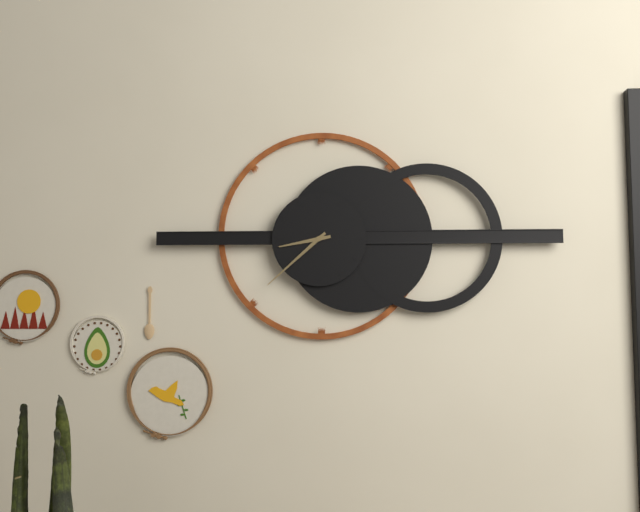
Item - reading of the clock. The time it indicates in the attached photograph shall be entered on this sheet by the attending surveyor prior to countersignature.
8:38
